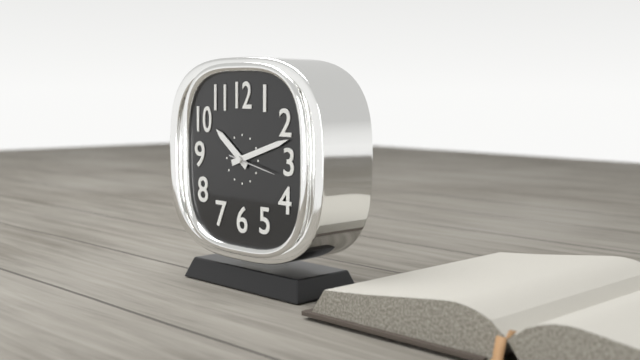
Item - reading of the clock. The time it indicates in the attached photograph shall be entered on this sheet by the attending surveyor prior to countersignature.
10:12
